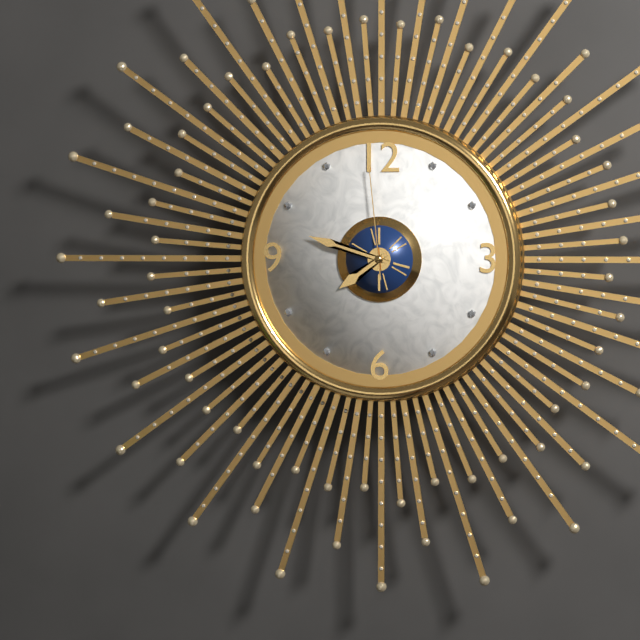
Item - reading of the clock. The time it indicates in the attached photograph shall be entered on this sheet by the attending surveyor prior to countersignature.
7:48:59
